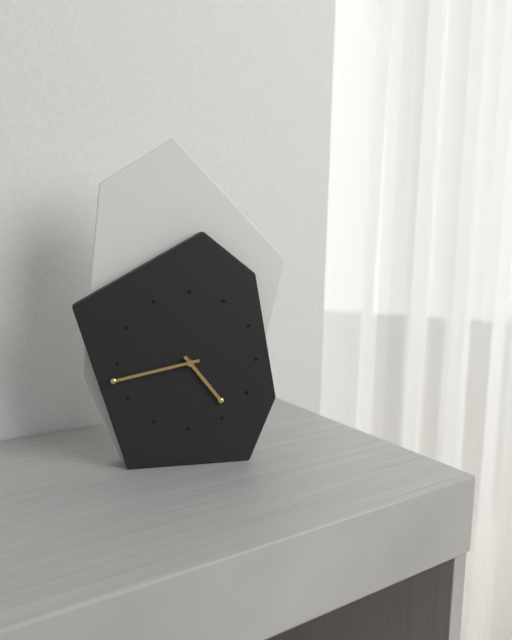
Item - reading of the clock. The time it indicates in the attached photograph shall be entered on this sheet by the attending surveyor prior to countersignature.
4:43
